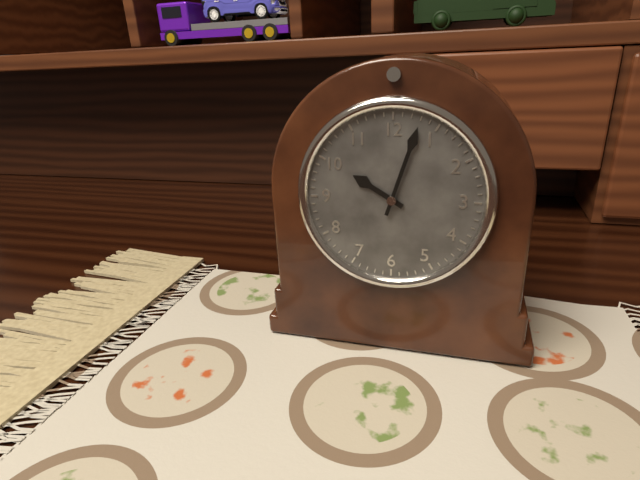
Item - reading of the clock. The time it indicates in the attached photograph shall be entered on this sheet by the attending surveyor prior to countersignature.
10:03
